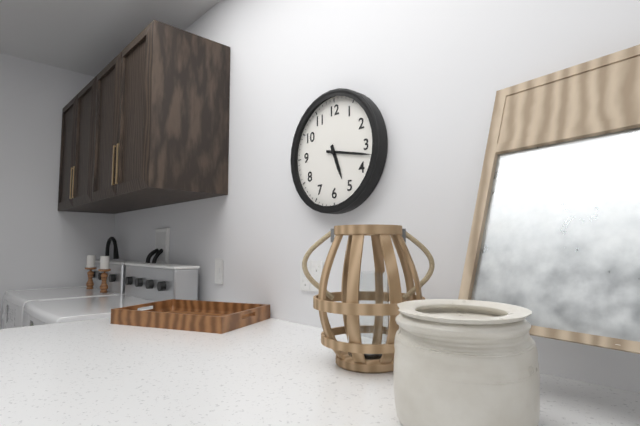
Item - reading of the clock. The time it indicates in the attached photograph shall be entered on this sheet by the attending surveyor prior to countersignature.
5:17
